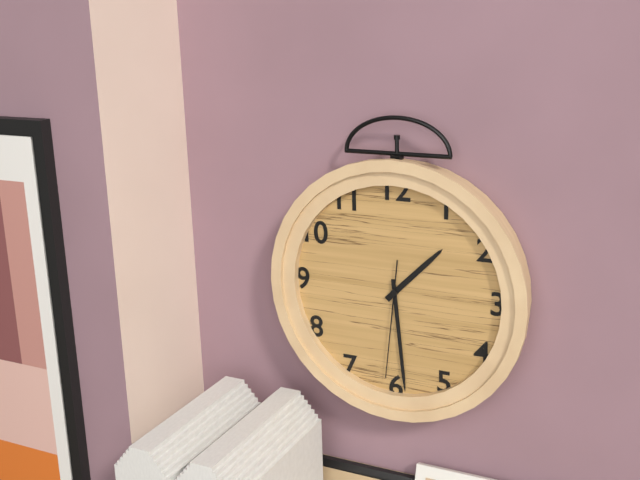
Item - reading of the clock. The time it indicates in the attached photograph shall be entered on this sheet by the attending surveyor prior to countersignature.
1:29:31
